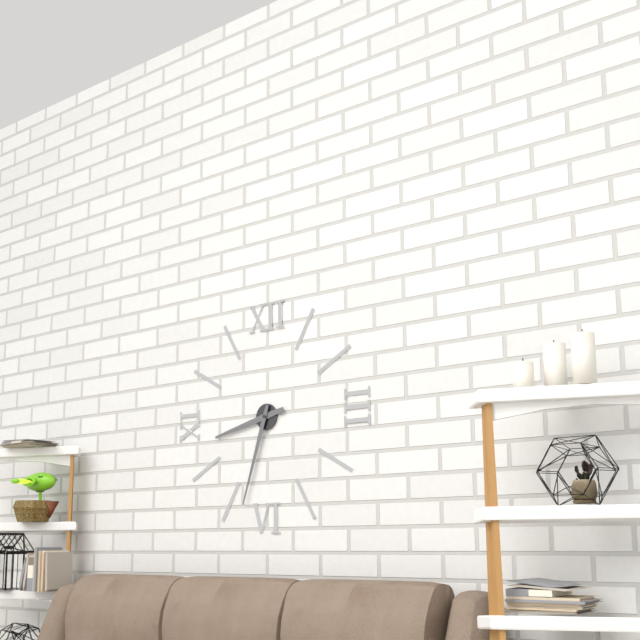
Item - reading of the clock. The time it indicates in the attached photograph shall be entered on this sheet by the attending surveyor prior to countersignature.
8:33
